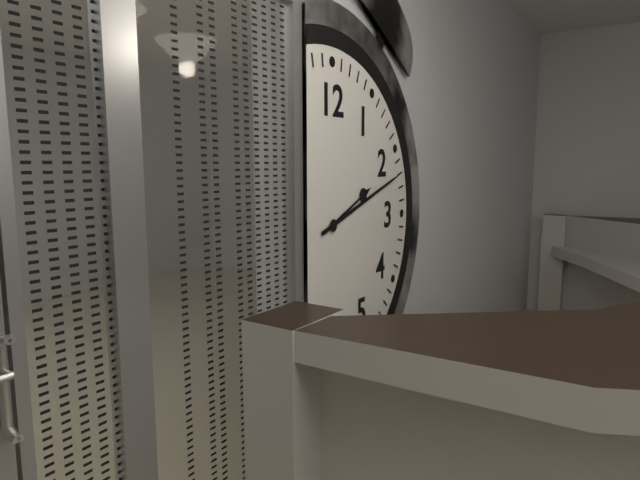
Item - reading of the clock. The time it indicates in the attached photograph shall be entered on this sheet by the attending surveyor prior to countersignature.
2:12
